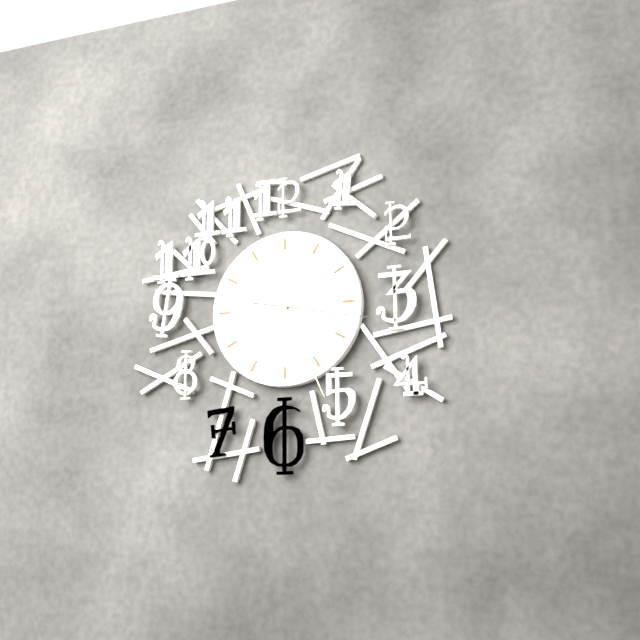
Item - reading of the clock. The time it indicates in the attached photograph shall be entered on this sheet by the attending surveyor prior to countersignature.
2:26:17
